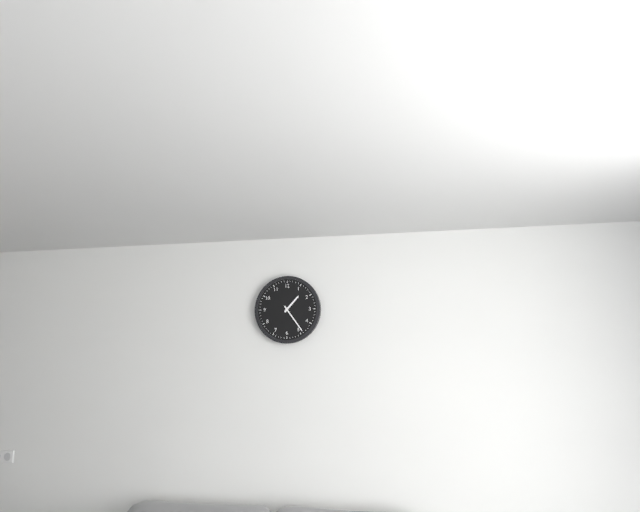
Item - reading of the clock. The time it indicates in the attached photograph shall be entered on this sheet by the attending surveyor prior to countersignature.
1:24
